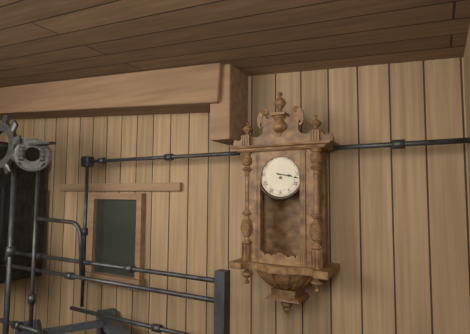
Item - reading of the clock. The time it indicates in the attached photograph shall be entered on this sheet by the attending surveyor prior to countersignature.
3:17
